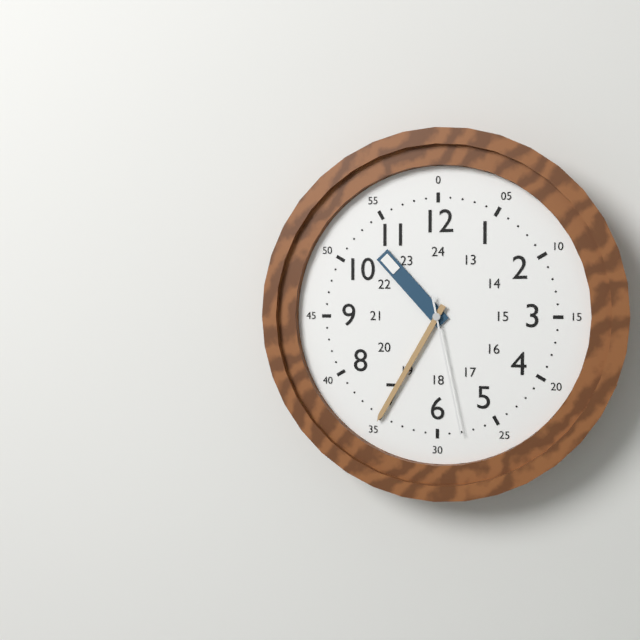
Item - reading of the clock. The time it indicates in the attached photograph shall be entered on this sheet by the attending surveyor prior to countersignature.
10:35:28
